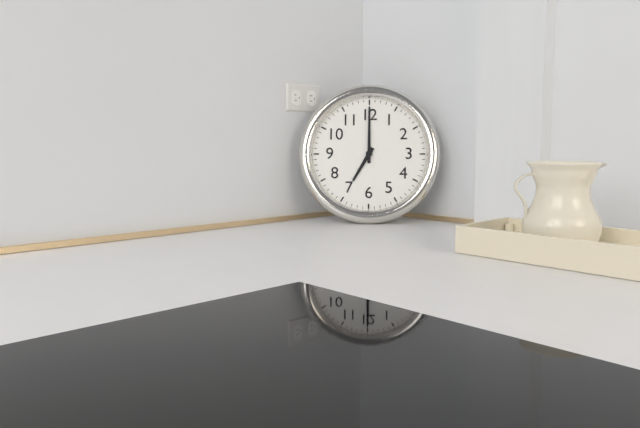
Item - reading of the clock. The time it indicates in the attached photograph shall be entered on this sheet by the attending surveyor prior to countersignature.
7:00
